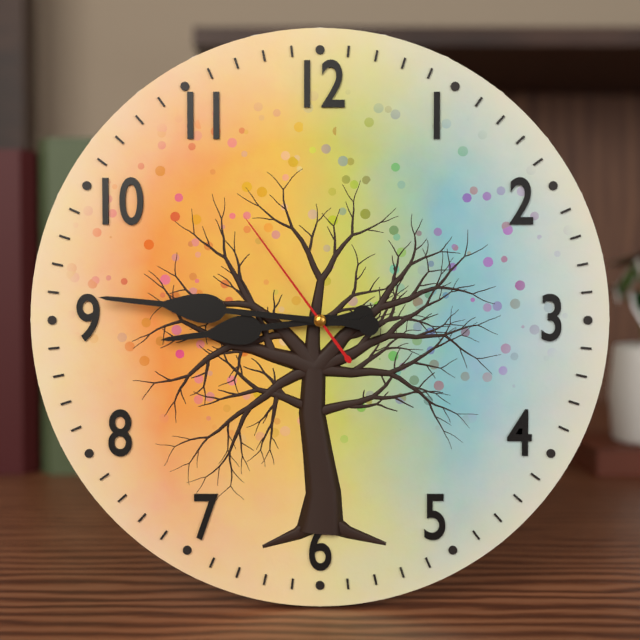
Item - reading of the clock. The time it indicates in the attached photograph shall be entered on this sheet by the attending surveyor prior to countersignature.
8:46:54
